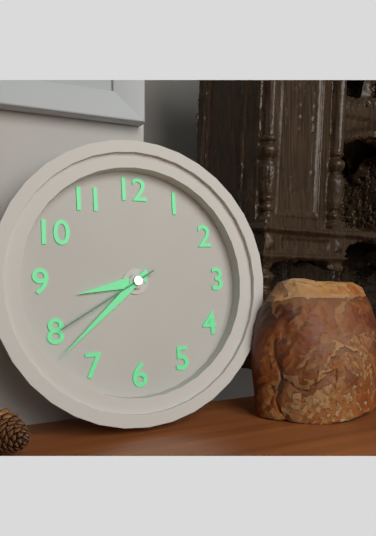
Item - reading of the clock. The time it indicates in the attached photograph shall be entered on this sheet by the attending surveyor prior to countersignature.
8:38:40
